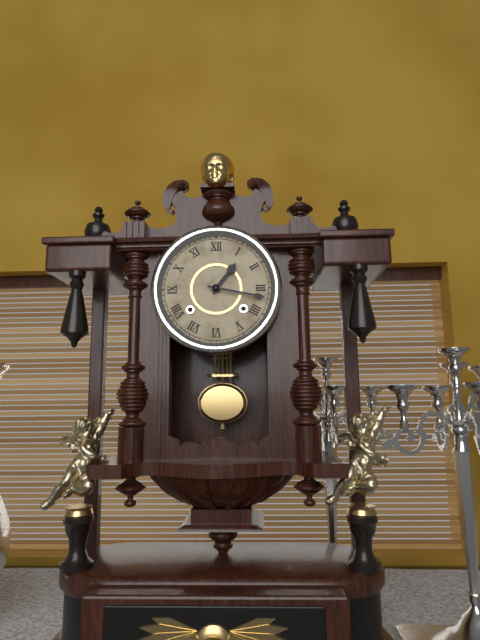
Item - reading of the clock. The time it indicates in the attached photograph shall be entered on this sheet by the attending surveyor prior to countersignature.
1:17
